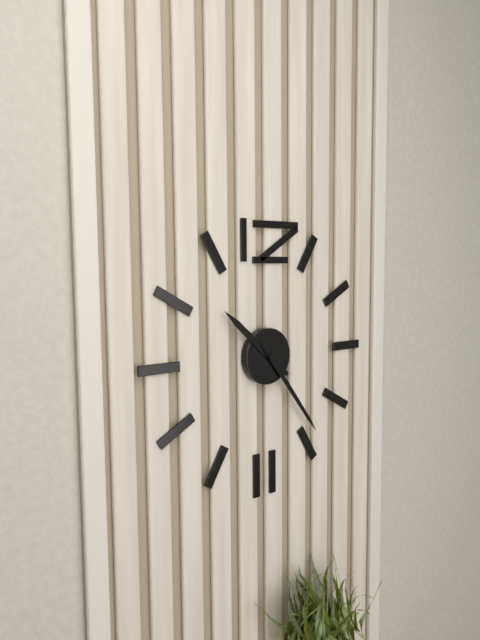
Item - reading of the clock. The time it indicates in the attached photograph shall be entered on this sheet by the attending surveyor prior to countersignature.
10:24
